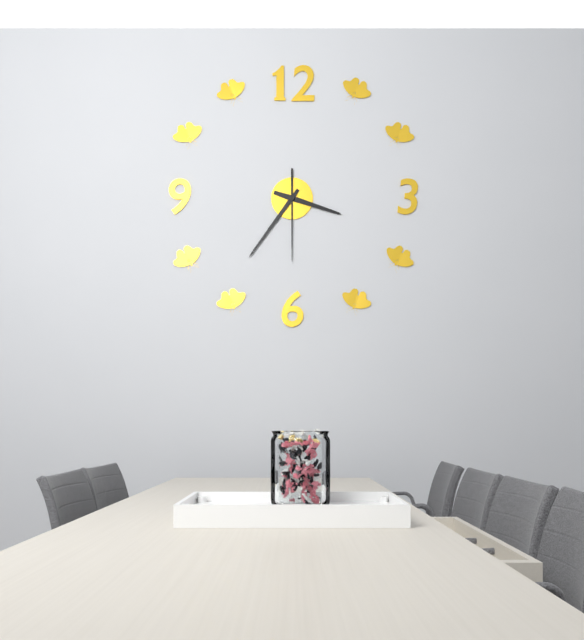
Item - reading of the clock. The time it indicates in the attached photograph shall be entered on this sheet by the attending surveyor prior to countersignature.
3:36:30
